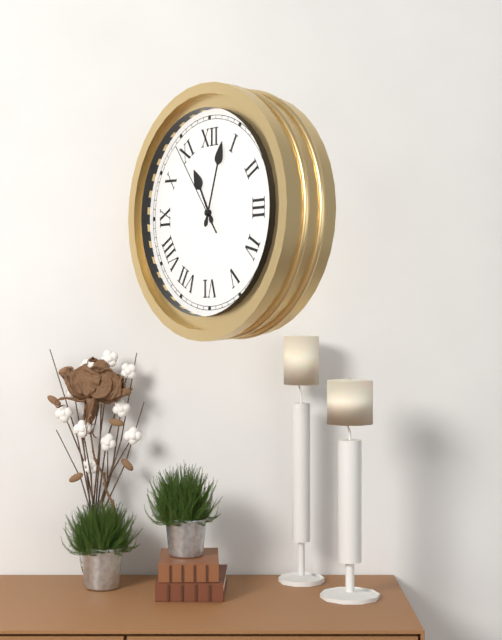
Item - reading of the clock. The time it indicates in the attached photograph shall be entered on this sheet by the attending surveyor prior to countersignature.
11:03:54
